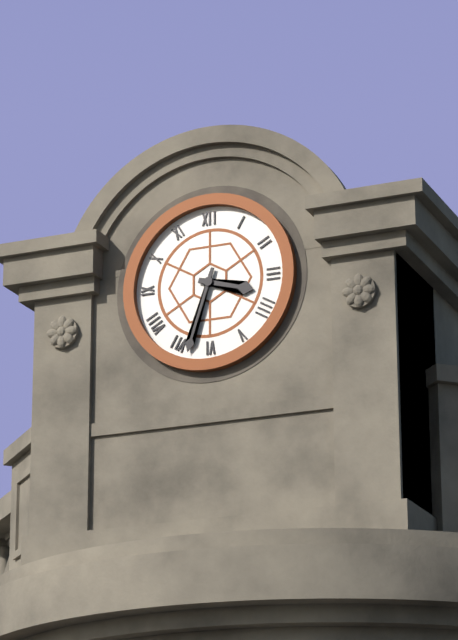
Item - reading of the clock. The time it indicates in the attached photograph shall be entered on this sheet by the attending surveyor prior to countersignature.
3:33
